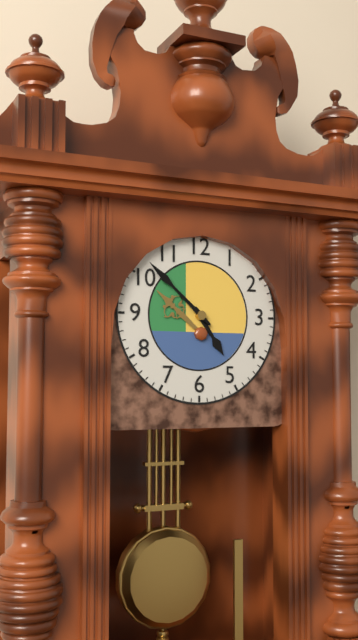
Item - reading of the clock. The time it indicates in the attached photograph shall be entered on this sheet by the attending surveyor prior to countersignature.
4:52
